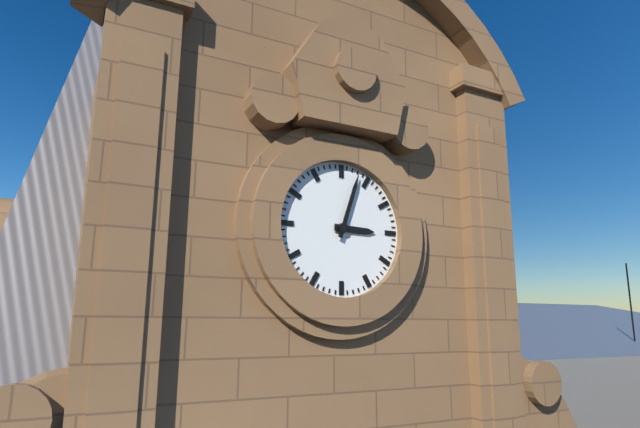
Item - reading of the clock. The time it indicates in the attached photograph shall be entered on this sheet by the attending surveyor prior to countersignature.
3:03
